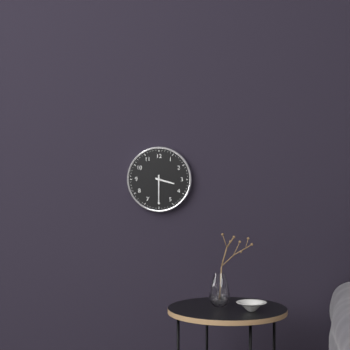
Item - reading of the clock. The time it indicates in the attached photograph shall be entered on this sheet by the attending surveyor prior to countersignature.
3:30
